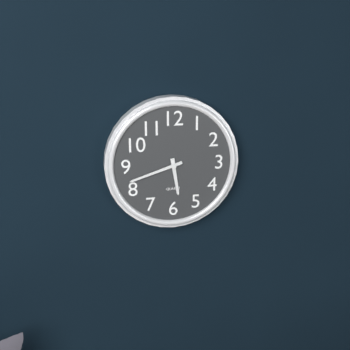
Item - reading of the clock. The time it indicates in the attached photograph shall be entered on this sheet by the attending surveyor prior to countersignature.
5:42
